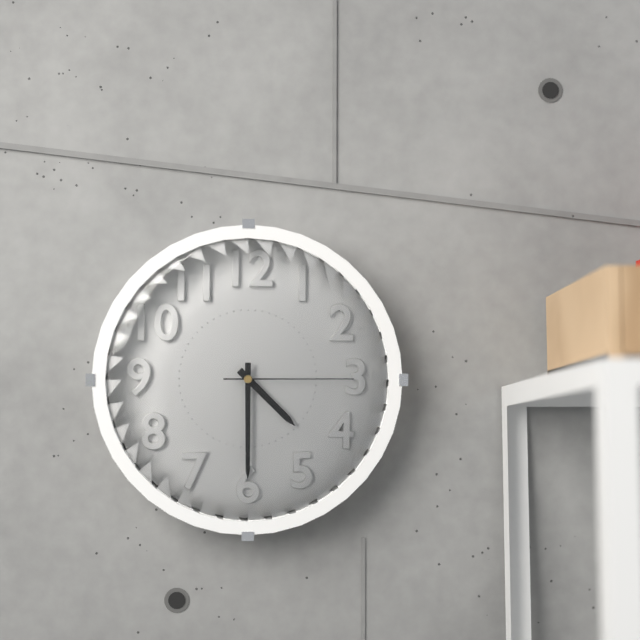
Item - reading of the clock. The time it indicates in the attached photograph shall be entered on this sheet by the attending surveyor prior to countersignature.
4:30:15
